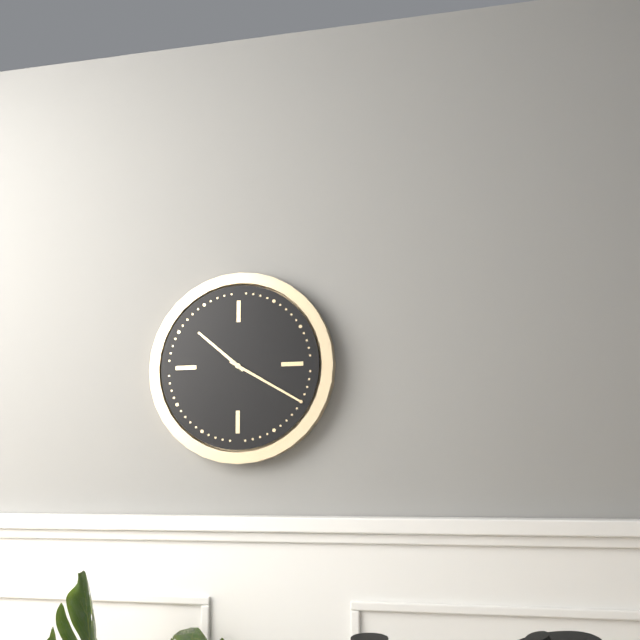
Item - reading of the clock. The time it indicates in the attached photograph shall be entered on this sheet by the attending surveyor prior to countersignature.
10:20
